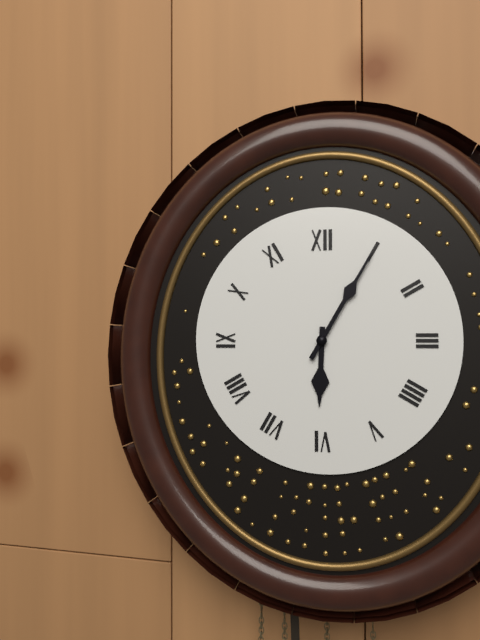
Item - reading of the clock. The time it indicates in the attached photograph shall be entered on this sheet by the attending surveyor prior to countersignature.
6:05
